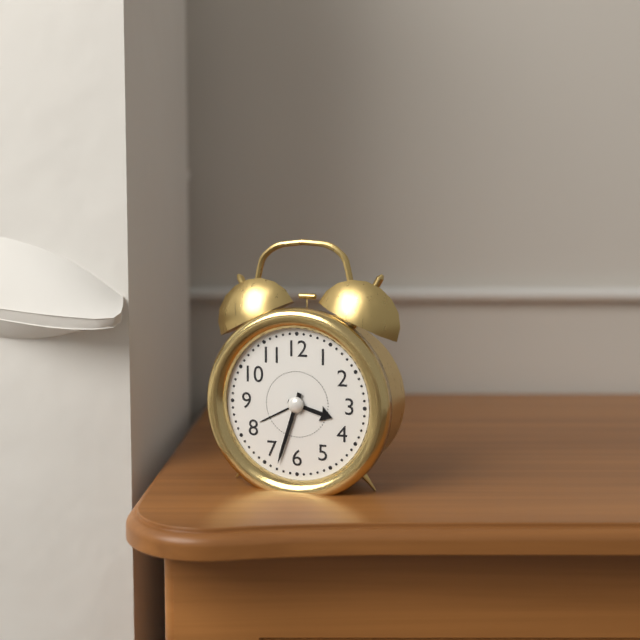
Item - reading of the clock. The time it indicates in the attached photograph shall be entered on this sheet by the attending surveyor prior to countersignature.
3:33
